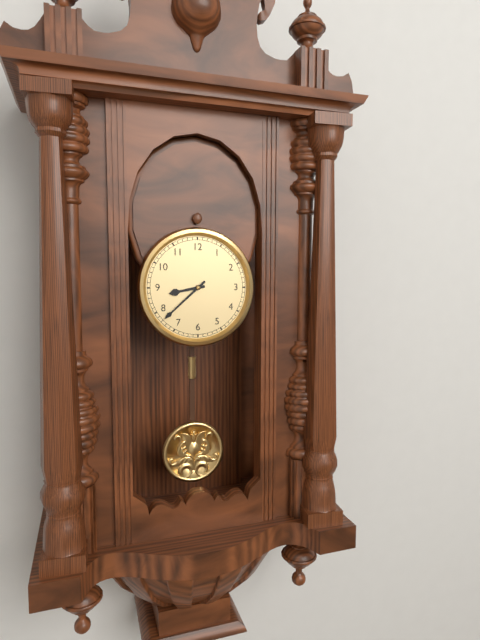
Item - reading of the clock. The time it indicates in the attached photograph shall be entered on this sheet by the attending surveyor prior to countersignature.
8:38
